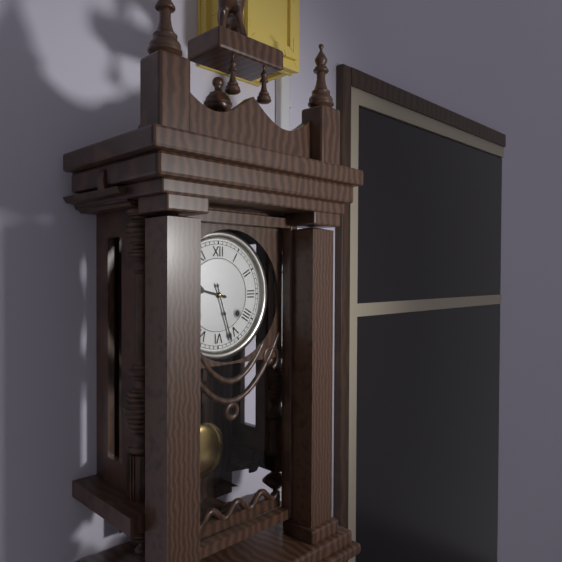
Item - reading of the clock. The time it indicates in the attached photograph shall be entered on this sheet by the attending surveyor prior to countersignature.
9:27
